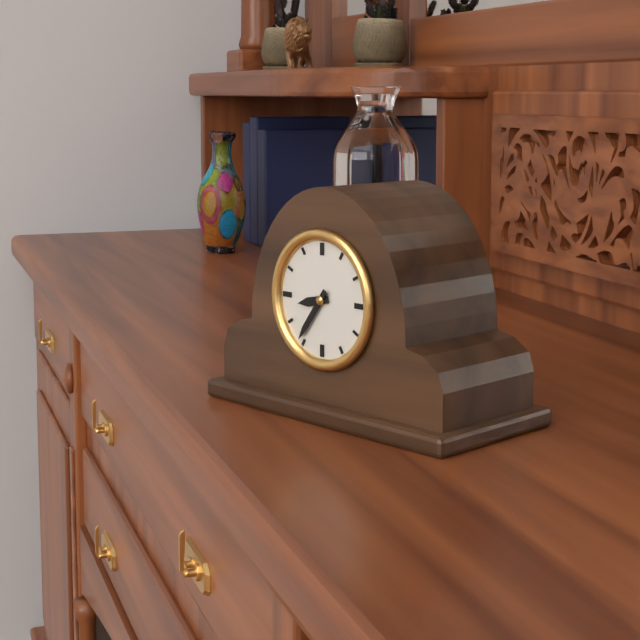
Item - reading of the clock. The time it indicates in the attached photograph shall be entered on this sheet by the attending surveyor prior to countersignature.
8:36
